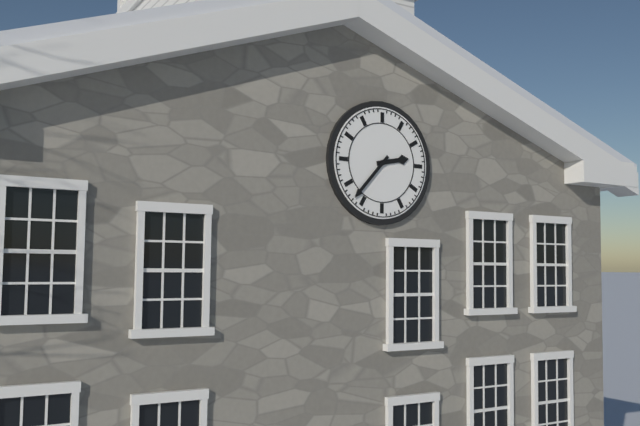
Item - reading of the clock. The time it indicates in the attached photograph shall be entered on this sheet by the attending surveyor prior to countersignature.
2:37
